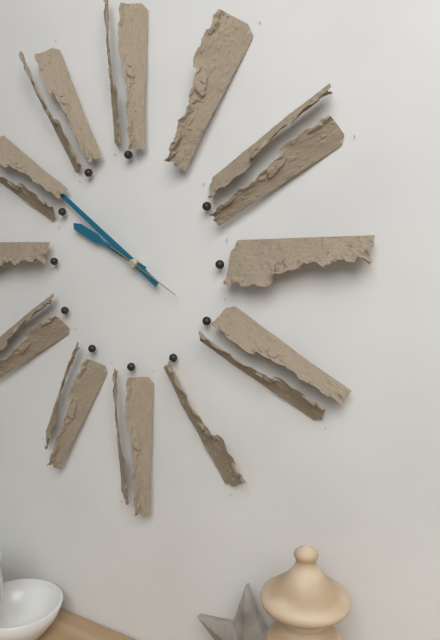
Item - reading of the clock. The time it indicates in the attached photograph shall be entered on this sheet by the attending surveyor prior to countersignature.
9:51:20
